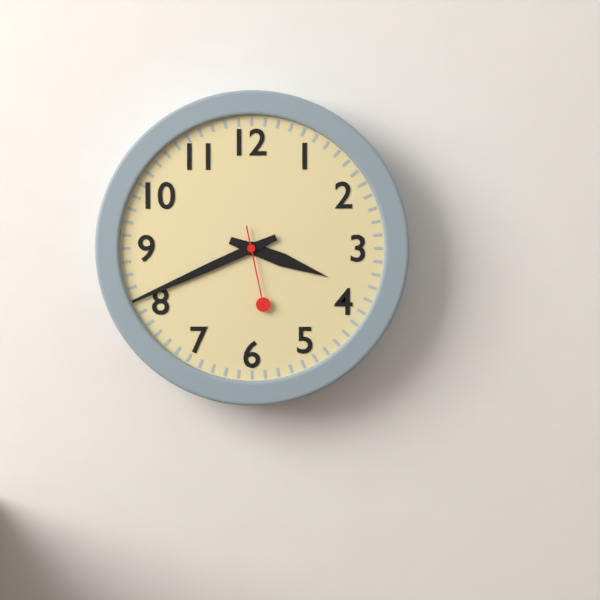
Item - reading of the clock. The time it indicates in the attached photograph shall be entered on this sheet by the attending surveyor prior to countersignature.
3:41:28
